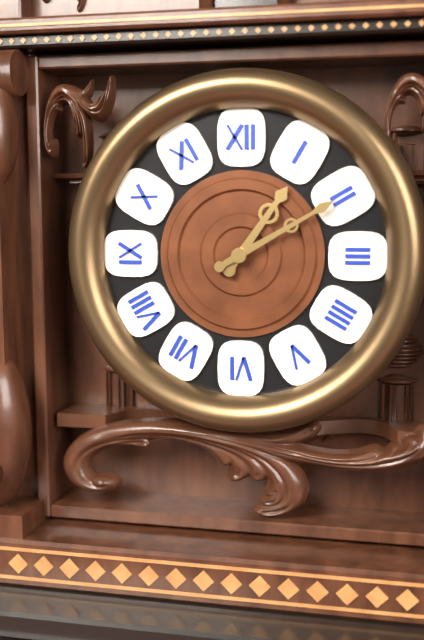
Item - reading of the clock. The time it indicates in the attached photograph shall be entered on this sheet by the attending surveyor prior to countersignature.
1:10
